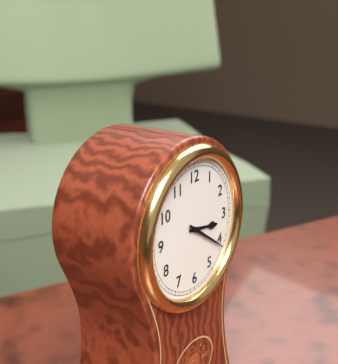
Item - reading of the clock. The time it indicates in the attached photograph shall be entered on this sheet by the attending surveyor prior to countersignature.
3:21
